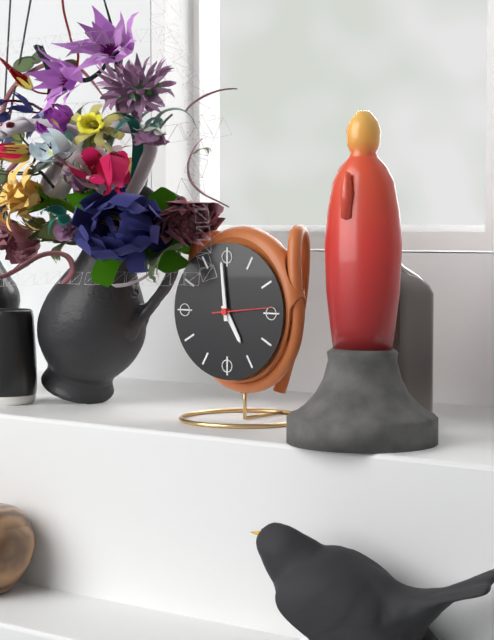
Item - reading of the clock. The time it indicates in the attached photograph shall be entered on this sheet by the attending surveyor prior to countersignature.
4:59
